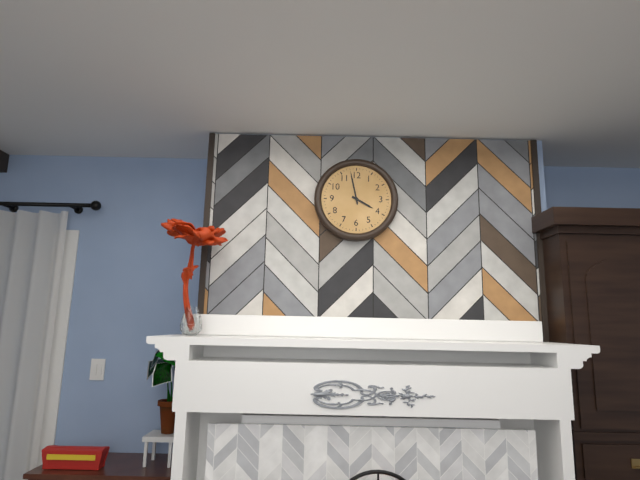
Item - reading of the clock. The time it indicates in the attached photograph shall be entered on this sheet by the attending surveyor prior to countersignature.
3:58
